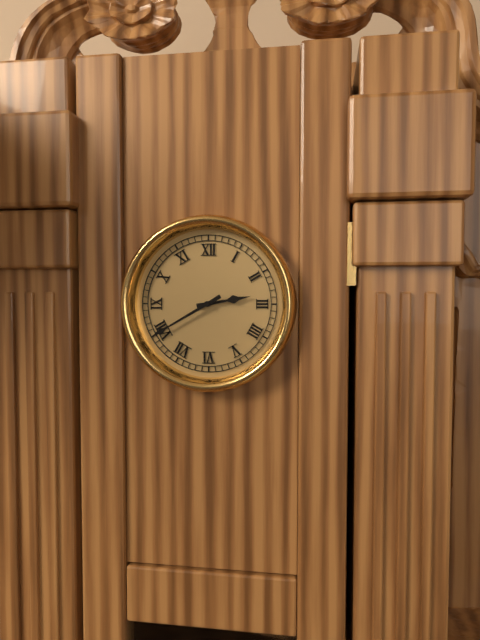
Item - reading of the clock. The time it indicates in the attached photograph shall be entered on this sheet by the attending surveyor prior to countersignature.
2:40
